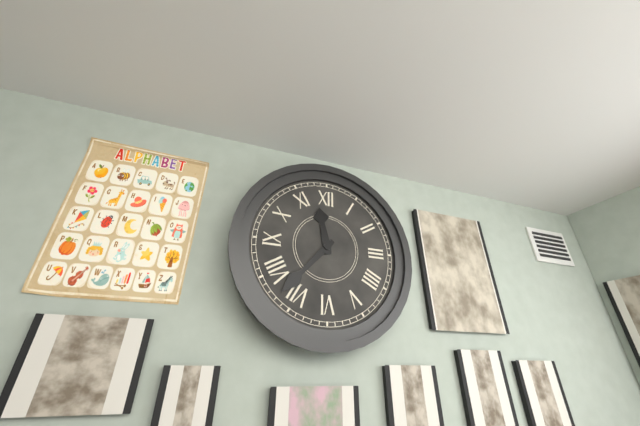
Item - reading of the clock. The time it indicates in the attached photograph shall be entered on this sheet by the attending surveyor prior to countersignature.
11:37
